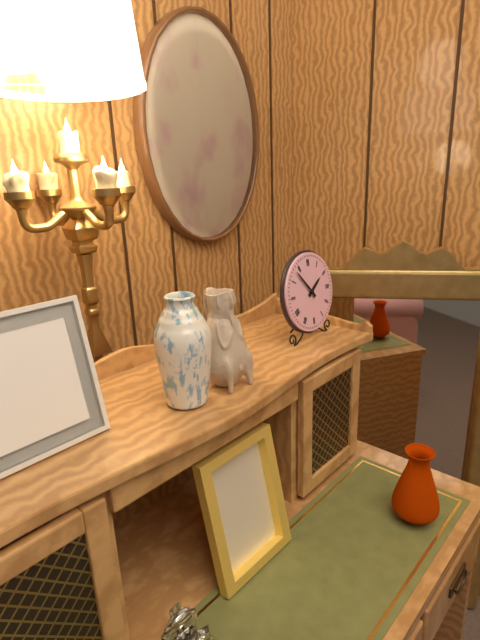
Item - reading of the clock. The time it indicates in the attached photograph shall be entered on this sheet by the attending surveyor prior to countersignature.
1:53
